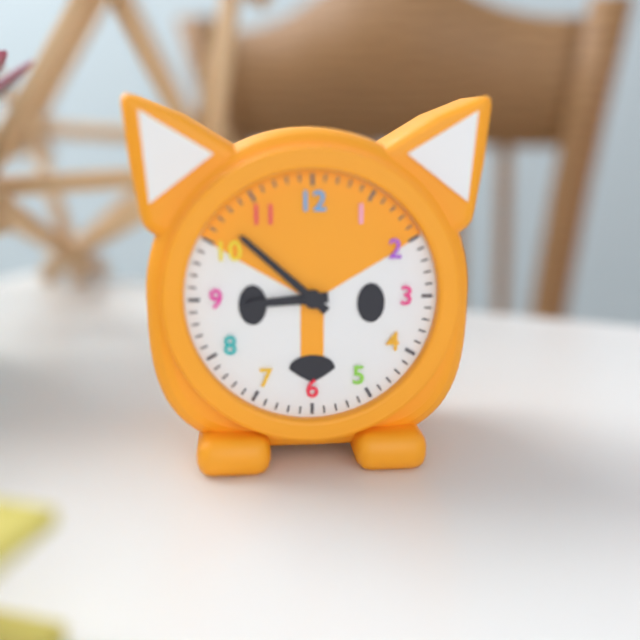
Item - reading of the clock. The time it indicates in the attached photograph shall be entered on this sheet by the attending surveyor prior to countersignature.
8:52
